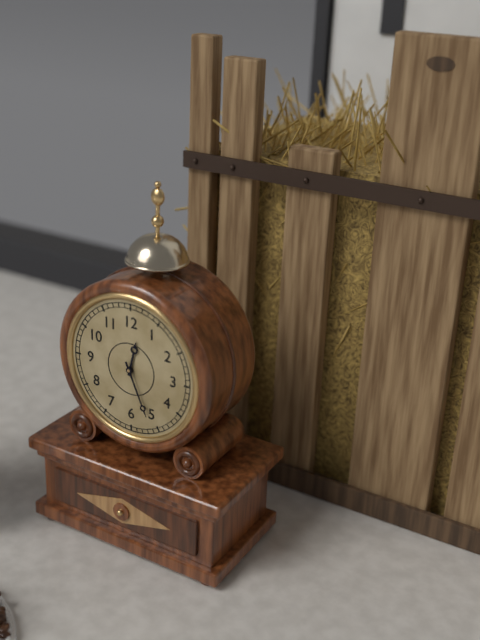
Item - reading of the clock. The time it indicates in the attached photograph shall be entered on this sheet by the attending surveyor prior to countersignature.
12:26
